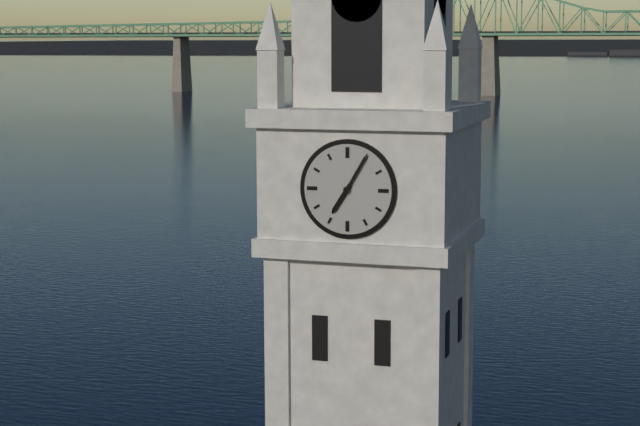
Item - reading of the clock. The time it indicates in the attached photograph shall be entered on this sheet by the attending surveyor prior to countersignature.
7:05
